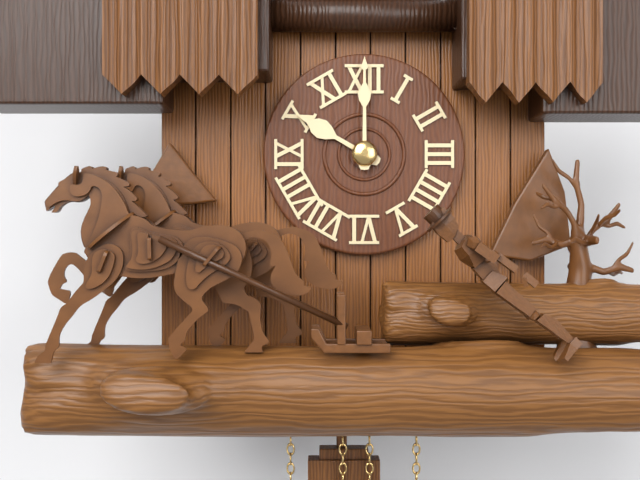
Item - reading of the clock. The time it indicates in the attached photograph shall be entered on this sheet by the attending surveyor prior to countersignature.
10:00
